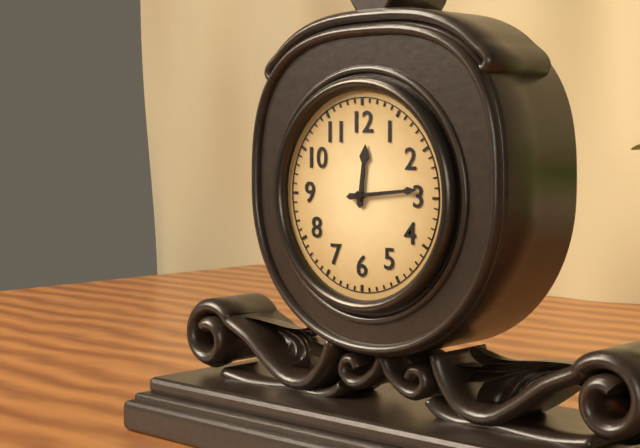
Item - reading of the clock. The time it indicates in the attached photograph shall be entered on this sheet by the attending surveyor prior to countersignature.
12:14
